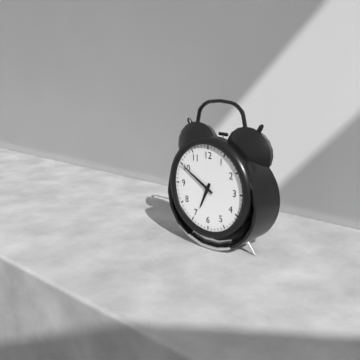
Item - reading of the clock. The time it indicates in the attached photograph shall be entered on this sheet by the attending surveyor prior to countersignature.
6:50
